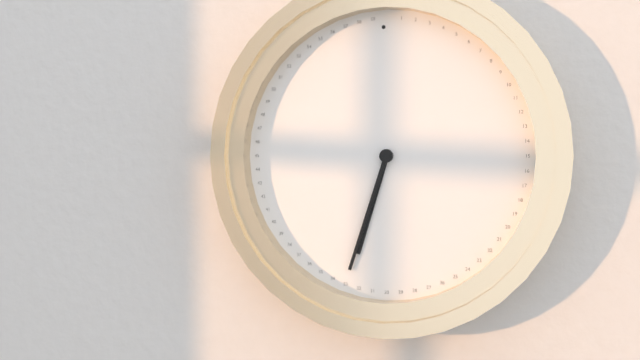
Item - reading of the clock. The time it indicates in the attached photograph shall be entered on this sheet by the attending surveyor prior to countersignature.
6:33
